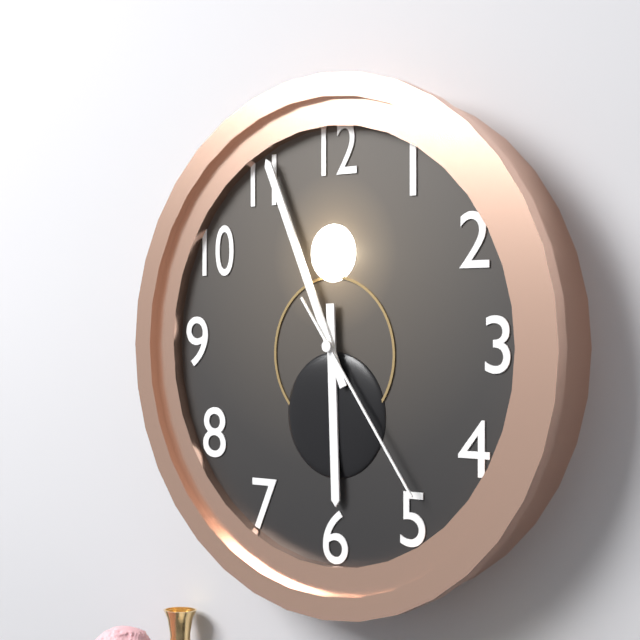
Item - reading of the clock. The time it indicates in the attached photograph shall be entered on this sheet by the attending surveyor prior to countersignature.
5:56:24
